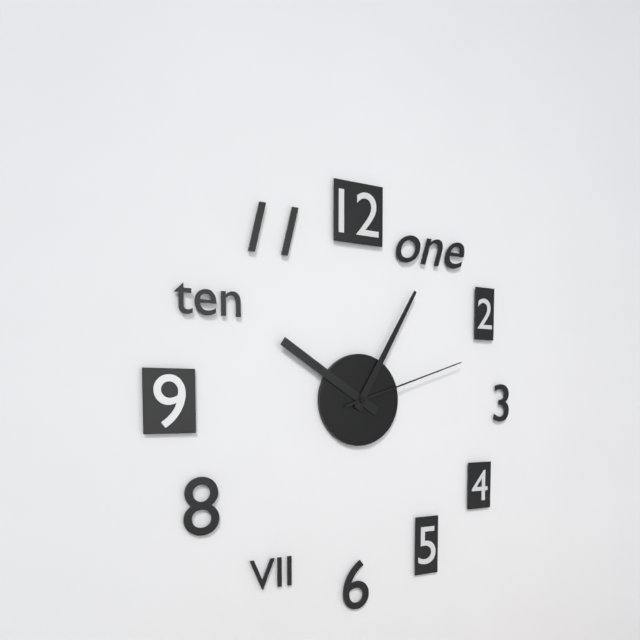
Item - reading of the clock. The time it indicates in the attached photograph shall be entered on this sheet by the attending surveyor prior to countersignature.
10:05:12
